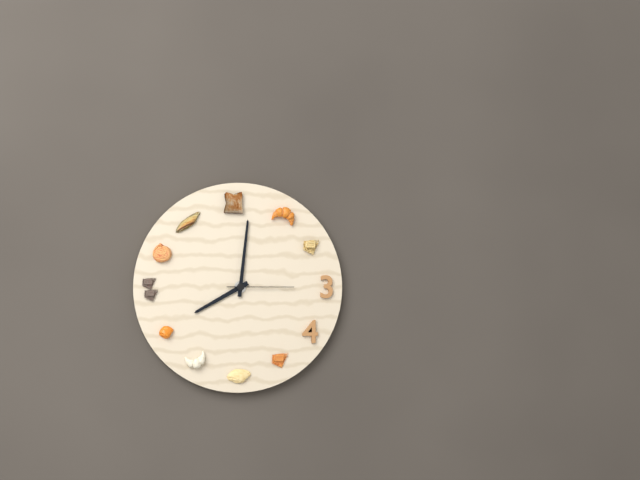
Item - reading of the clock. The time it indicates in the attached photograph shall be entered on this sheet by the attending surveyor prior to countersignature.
8:01:15
